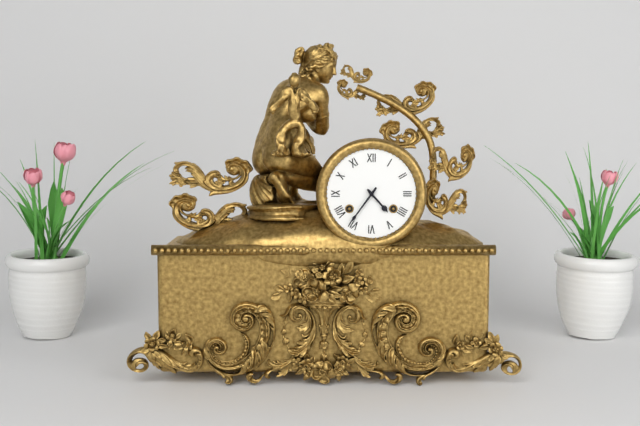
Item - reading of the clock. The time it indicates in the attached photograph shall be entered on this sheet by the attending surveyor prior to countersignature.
4:36
